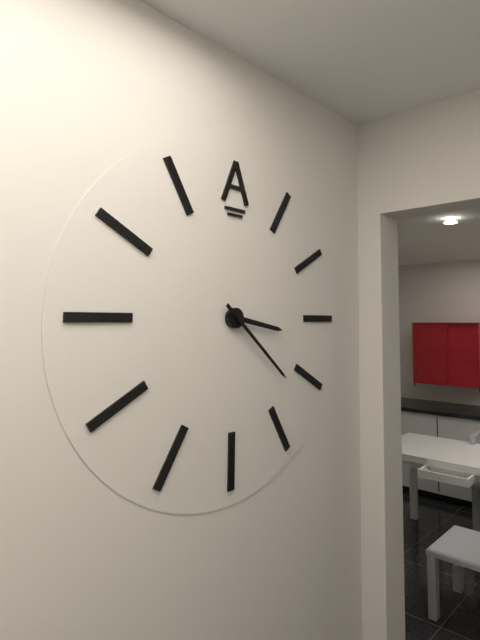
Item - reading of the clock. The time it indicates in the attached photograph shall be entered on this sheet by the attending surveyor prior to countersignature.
3:22
